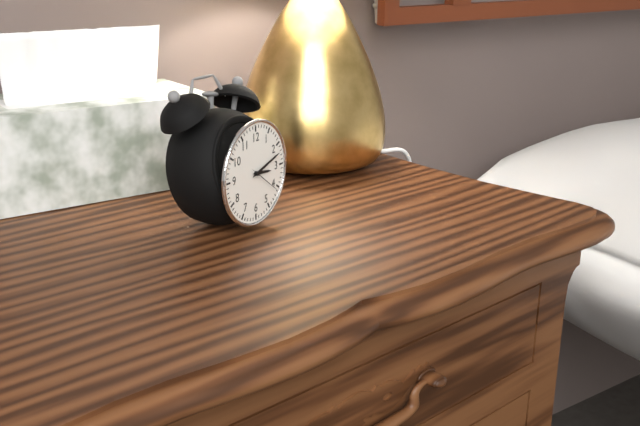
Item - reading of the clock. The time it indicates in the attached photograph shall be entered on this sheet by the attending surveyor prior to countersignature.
3:12
